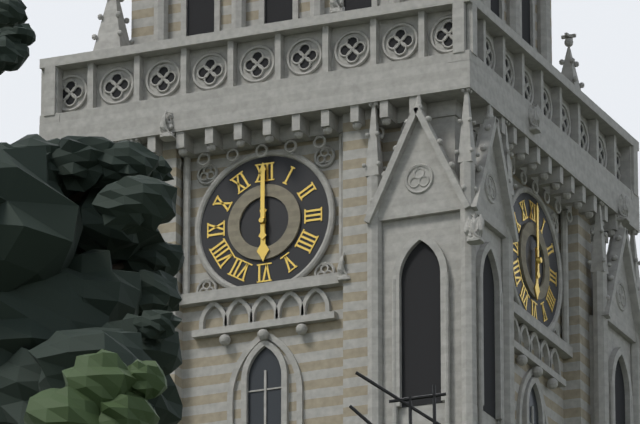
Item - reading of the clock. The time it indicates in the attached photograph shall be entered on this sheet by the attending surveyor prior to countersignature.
6:00
